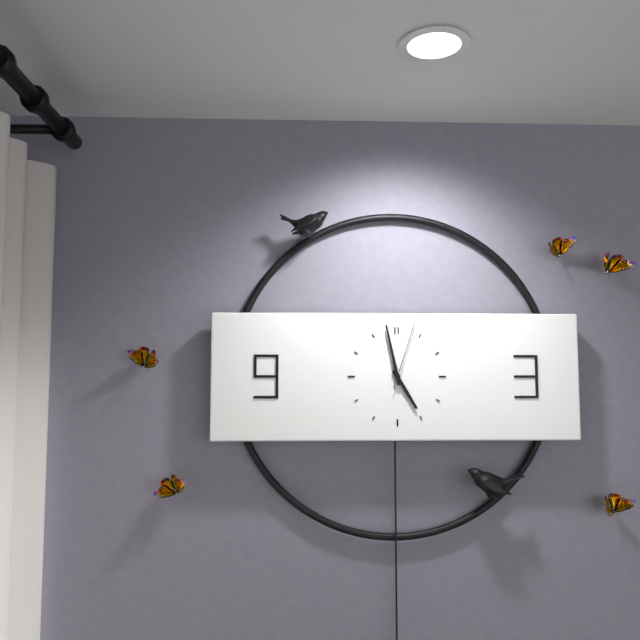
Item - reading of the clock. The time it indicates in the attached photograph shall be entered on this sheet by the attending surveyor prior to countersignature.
4:58:03
